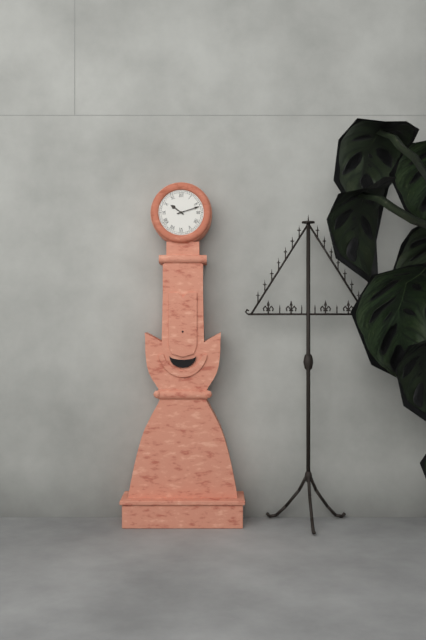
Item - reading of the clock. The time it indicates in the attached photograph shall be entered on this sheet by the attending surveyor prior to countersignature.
10:12
